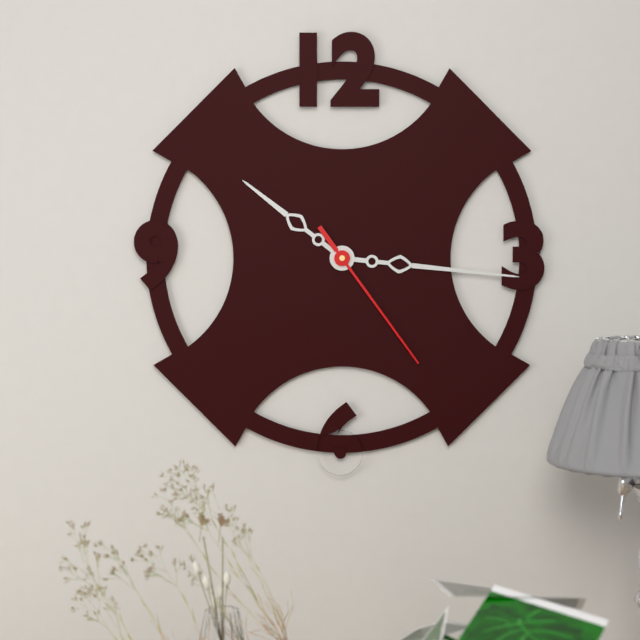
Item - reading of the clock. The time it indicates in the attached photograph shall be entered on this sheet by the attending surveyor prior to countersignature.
10:16:24
